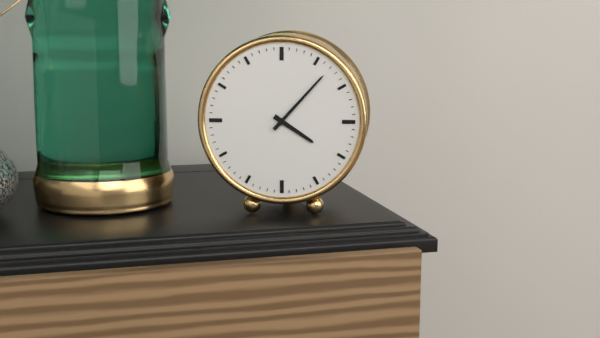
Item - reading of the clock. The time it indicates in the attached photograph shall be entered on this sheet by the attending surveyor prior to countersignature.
4:07
